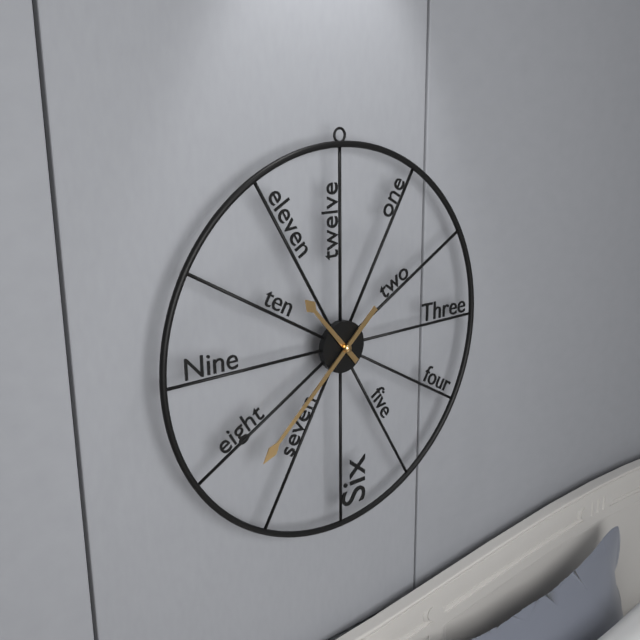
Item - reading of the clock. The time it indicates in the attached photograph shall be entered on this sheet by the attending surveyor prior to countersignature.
10:38
